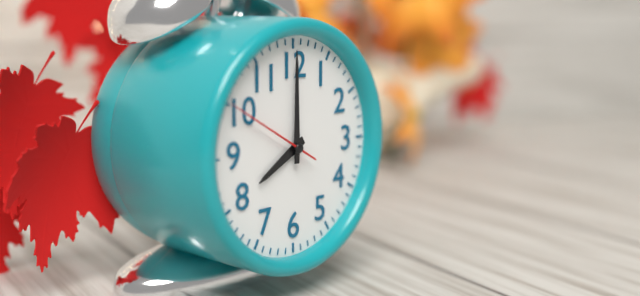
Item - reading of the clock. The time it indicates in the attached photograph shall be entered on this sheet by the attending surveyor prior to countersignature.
8:00:50
